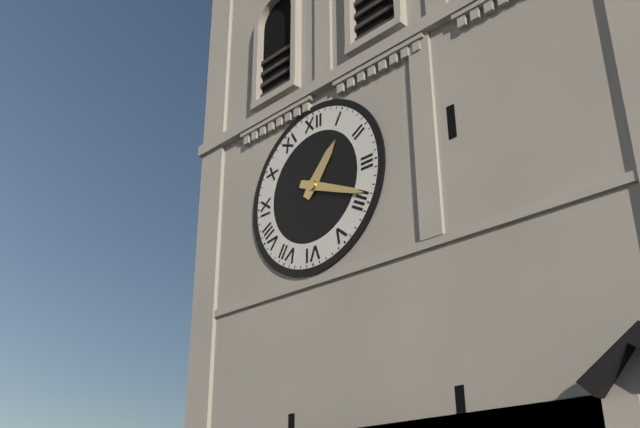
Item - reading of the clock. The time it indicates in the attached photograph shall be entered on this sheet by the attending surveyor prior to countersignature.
1:19
